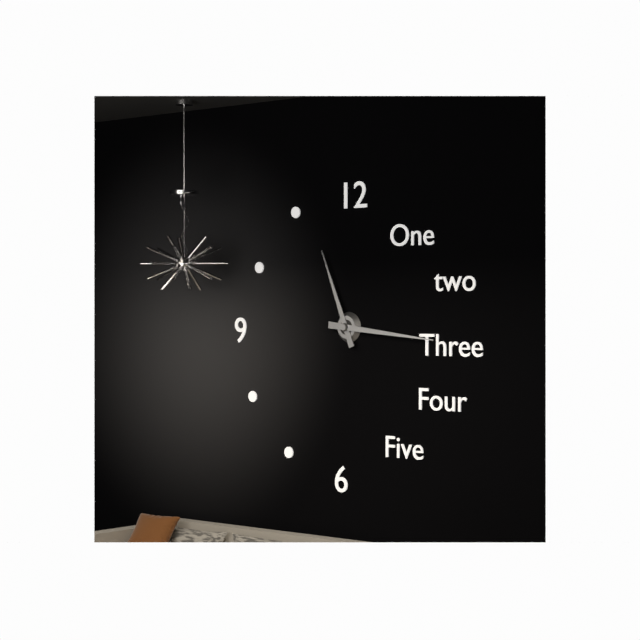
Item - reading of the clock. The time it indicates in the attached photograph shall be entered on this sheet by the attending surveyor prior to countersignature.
11:16
